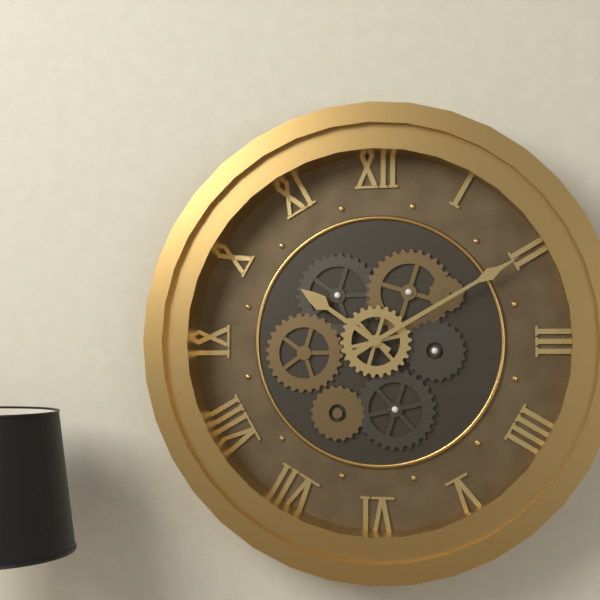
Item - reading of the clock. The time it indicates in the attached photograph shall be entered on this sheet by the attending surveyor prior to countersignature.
10:10
